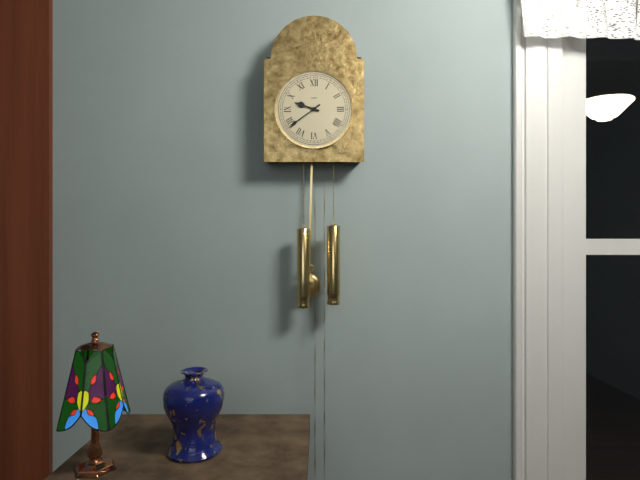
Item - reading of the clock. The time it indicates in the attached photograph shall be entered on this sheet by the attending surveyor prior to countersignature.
9:39
